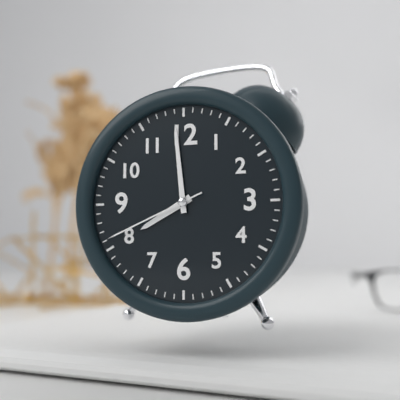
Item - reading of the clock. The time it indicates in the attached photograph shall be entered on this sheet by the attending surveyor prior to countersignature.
7:59:41
